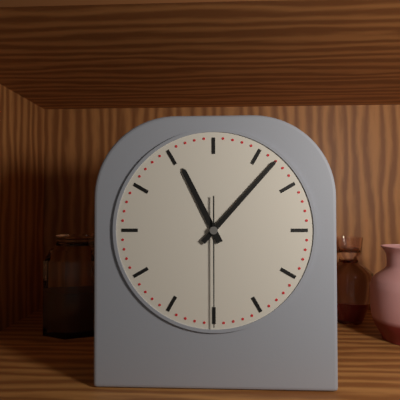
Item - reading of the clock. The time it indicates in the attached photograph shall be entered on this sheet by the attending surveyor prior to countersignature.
11:07:30
